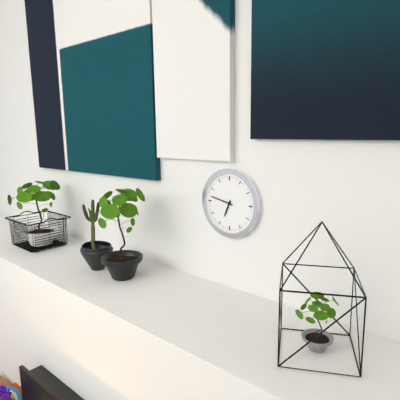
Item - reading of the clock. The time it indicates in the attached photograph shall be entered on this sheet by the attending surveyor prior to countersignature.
6:47
